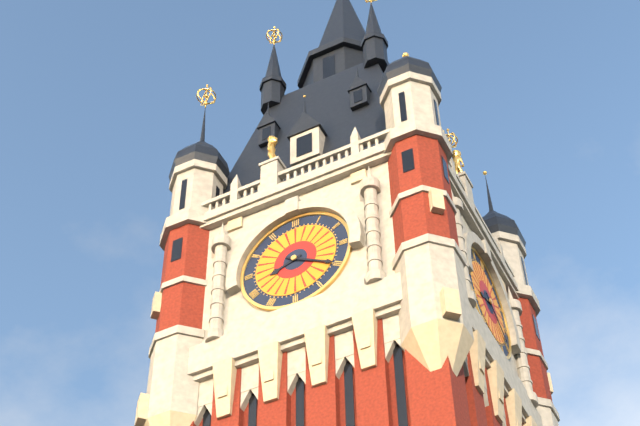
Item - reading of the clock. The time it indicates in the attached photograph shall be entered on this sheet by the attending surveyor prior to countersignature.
8:20
